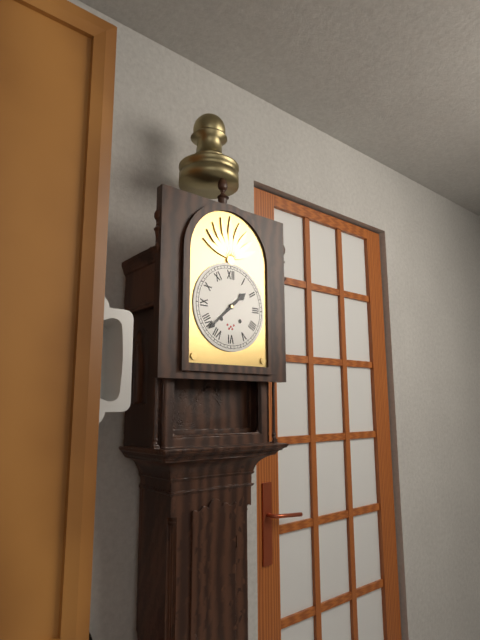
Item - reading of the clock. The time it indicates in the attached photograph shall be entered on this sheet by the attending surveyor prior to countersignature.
1:38
